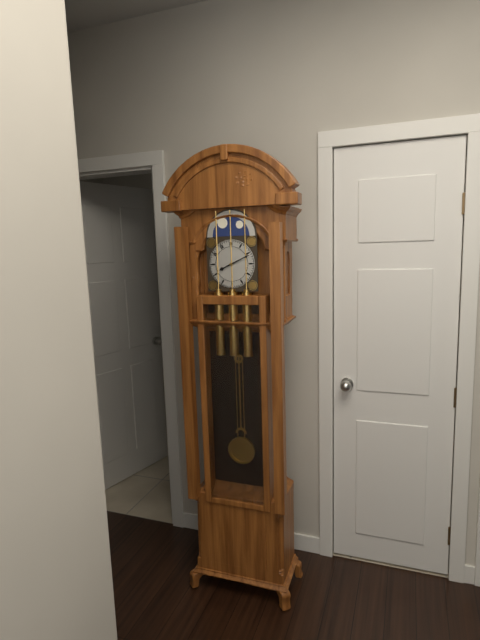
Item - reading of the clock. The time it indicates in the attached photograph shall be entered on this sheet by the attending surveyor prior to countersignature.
8:11
